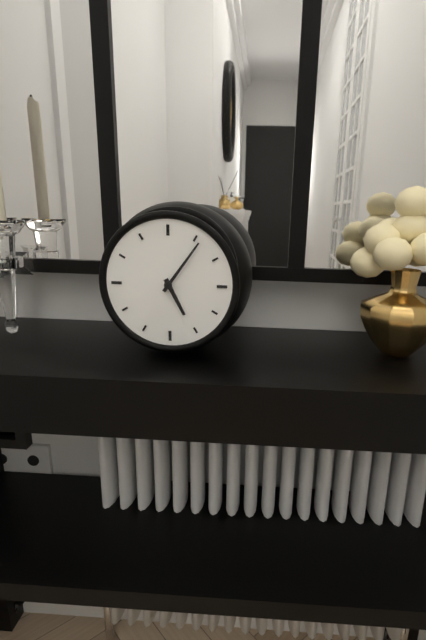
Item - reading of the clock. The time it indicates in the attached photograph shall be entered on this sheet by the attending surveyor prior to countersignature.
5:06
